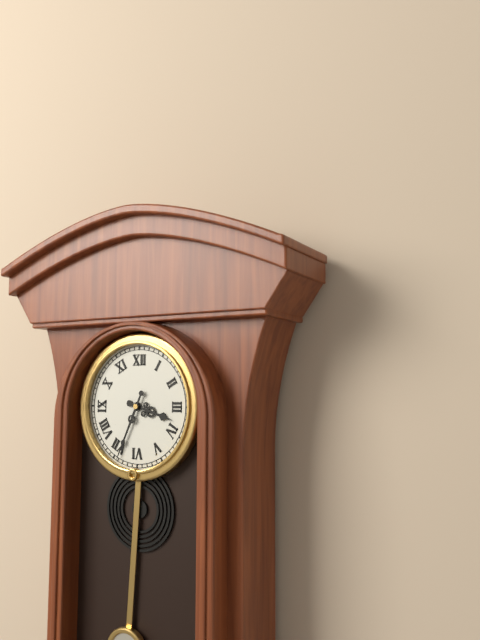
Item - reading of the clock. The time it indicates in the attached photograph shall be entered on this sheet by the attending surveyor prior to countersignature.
3:34
